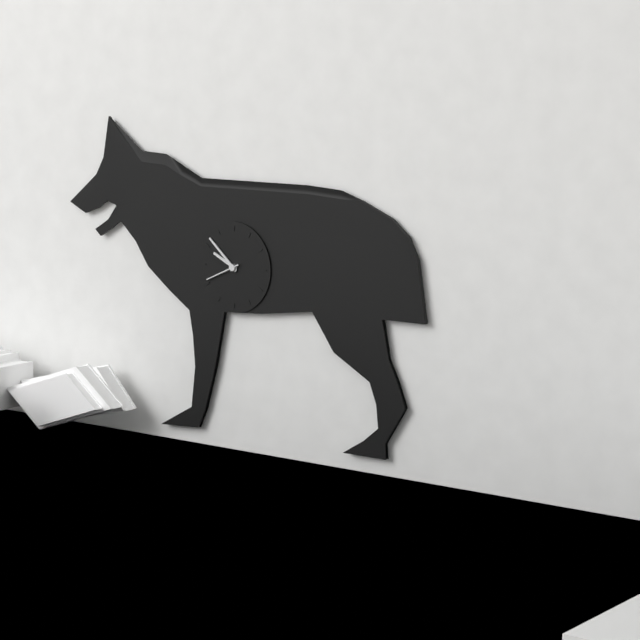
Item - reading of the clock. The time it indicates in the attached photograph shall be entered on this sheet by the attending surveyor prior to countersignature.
9:52
